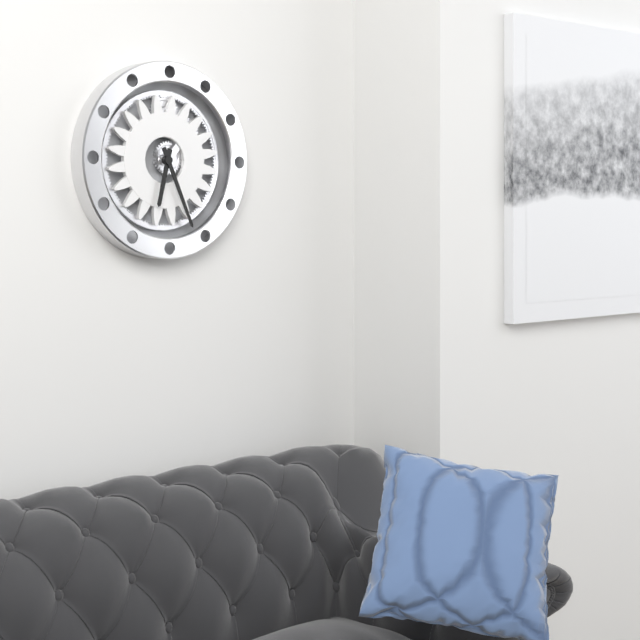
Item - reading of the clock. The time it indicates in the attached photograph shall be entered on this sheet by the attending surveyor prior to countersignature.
6:26
